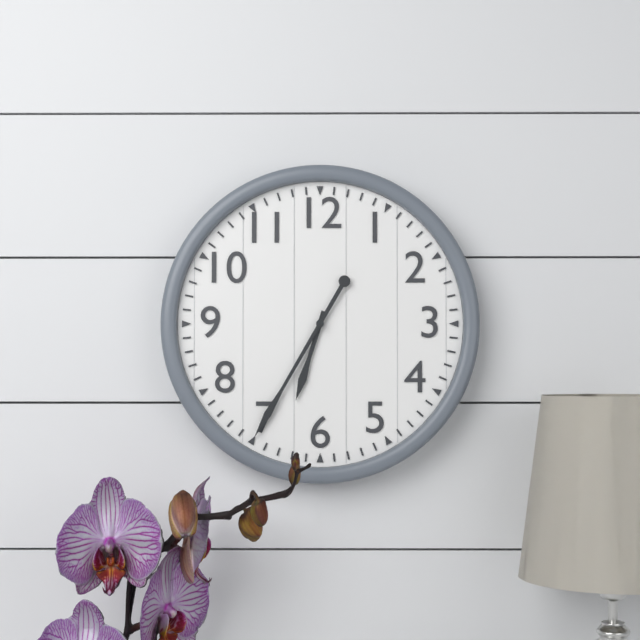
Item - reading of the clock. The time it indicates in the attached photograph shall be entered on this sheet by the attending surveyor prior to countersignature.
6:35
